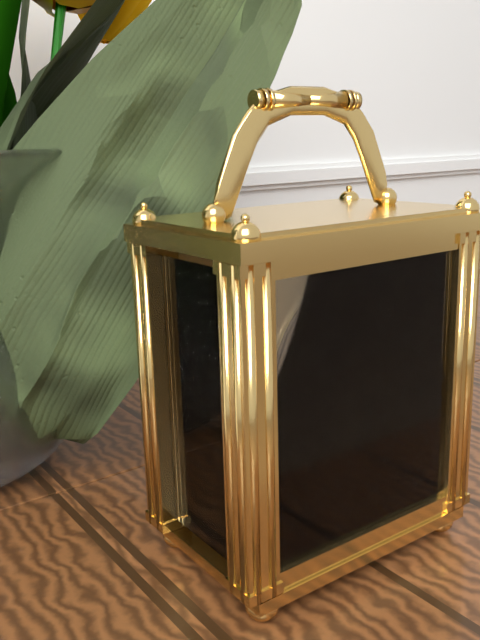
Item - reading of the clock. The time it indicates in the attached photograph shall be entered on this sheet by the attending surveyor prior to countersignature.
4:07
